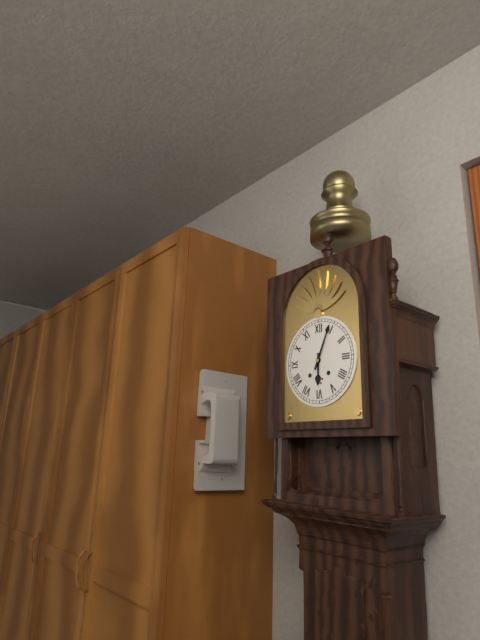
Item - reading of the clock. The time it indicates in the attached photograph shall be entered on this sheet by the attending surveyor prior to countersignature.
6:04
